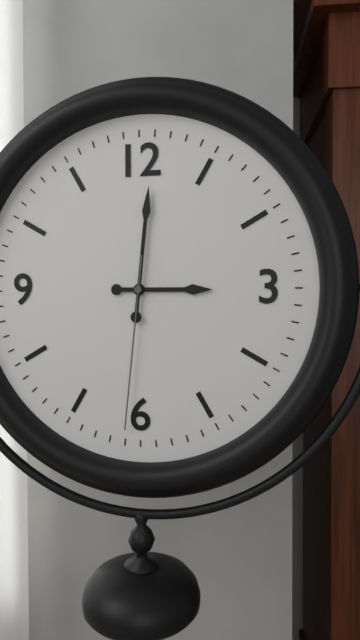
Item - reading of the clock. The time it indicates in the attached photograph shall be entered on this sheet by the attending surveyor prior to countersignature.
3:01:31
